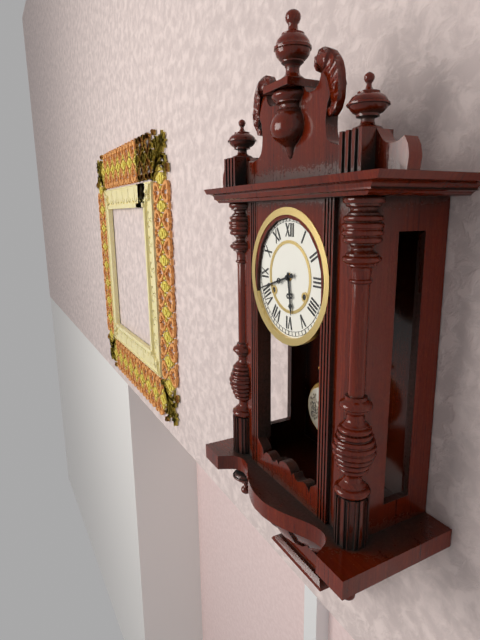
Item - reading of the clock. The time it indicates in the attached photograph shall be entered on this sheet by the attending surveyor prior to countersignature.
5:42
